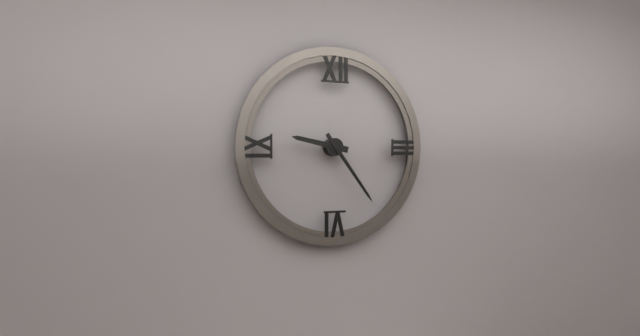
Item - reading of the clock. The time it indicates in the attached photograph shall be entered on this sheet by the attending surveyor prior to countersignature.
9:24
